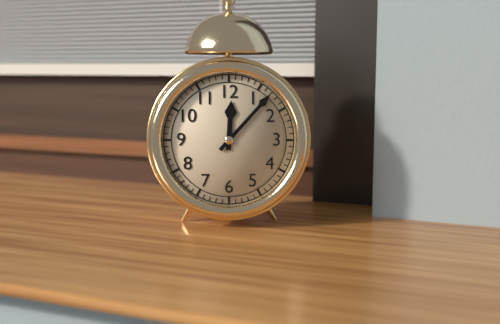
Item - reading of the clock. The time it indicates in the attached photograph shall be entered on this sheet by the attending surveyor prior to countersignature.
12:07
